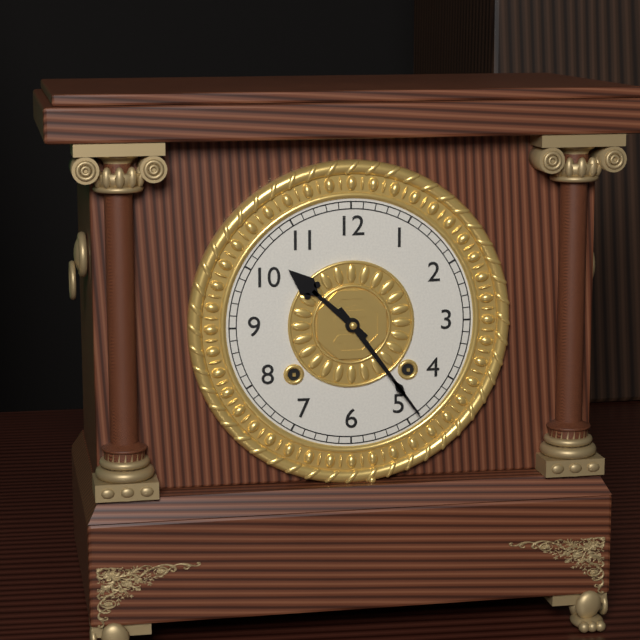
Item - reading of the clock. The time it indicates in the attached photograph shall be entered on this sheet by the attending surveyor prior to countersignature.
10:24
